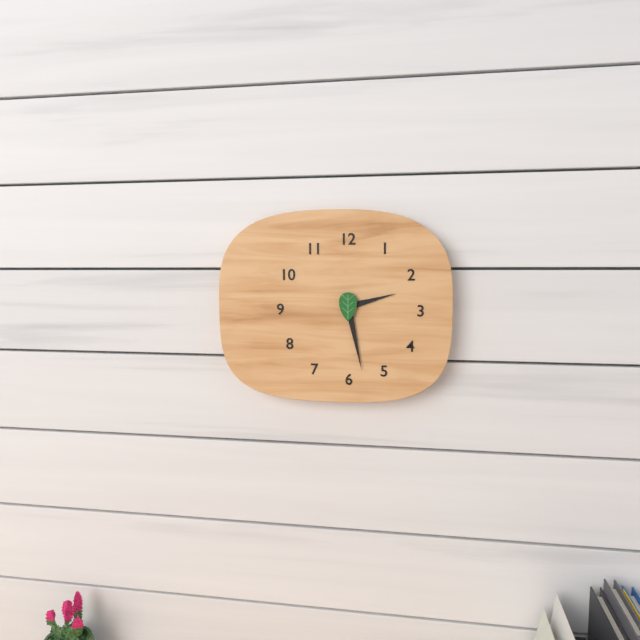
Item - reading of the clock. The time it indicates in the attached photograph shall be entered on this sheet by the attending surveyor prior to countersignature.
2:28
